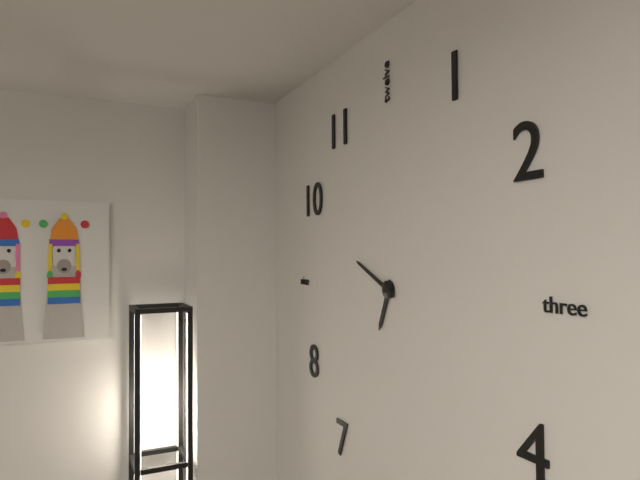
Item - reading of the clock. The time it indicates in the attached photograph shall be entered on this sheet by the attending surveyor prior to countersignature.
6:49
